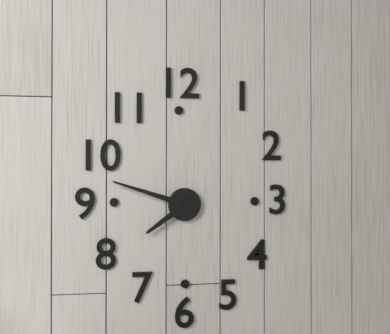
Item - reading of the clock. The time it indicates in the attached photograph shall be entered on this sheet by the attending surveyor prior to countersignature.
7:48
